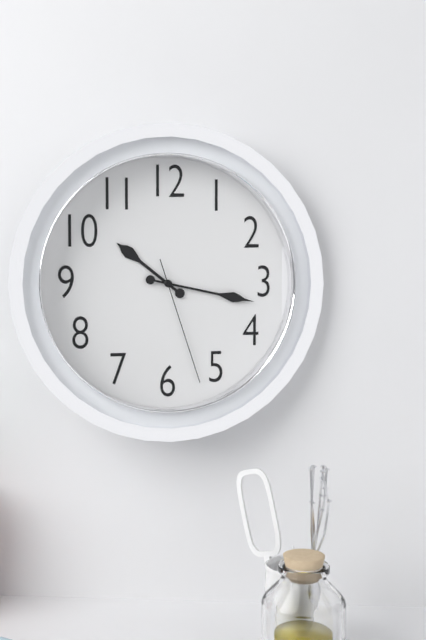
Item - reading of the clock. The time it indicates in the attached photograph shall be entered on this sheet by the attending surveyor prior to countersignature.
10:17:27
